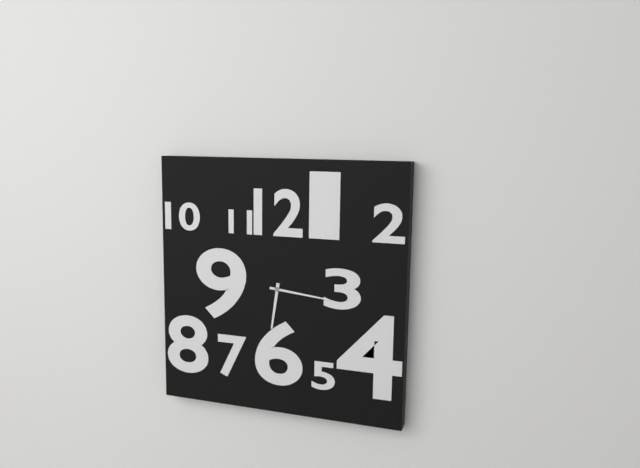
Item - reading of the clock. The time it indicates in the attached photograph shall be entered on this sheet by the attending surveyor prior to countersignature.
6:16
